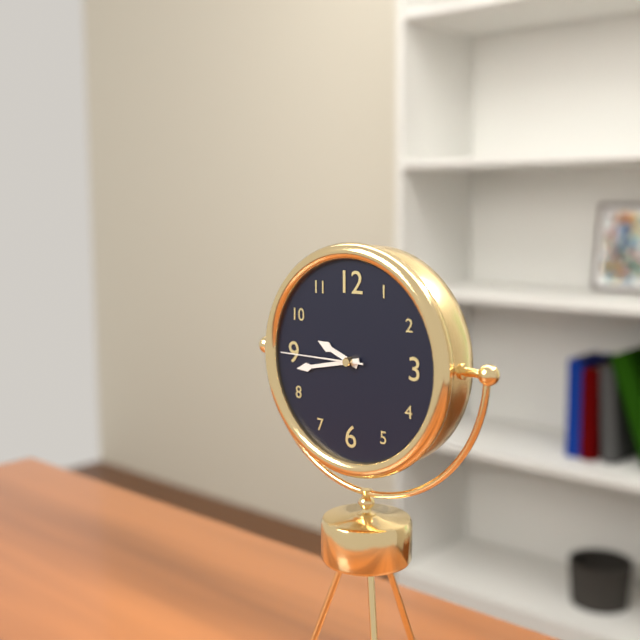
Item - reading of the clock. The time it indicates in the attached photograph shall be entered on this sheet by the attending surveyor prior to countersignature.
9:43:45
